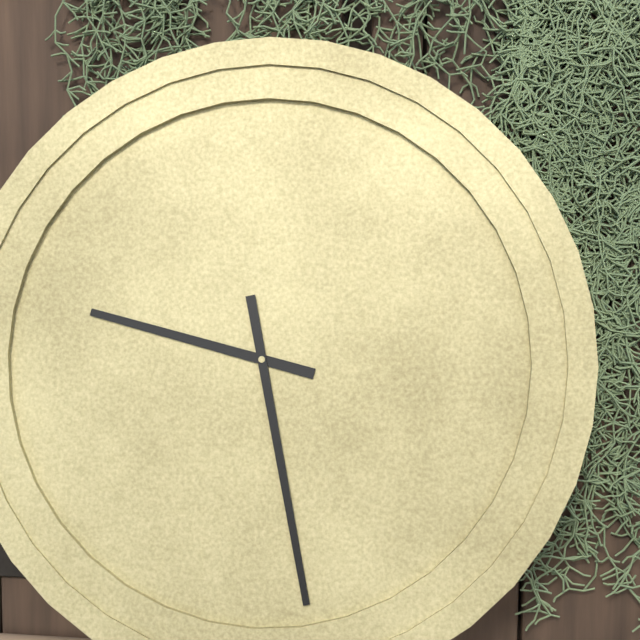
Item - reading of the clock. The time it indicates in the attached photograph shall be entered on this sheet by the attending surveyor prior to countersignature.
9:28
